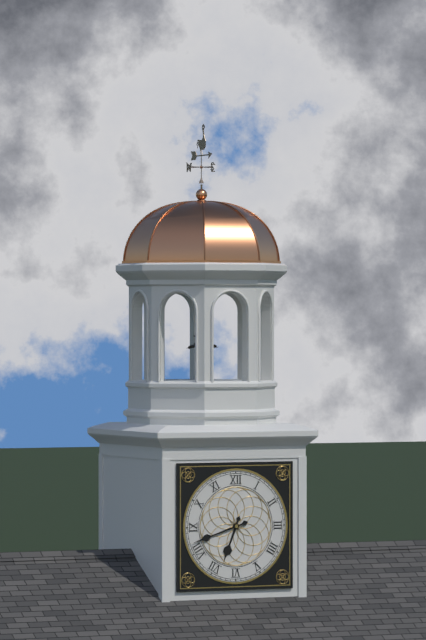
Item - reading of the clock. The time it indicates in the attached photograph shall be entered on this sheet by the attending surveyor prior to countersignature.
6:42
